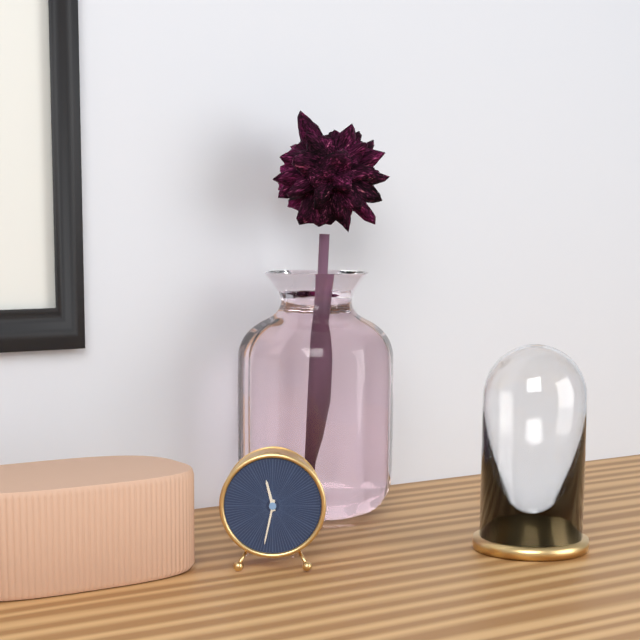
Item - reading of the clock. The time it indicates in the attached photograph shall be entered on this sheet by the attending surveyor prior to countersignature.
11:32
